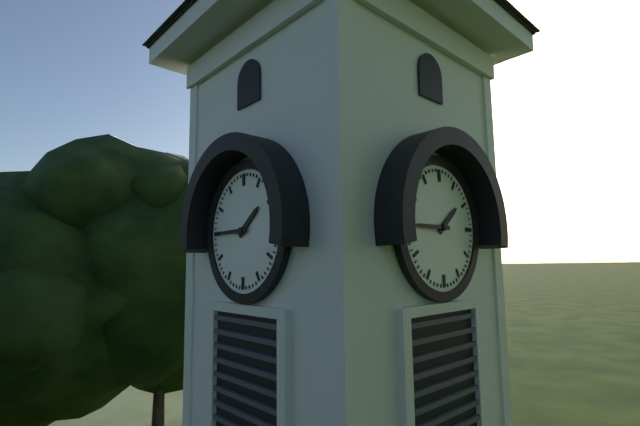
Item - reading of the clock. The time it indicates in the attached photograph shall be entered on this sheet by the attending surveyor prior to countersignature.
1:45
